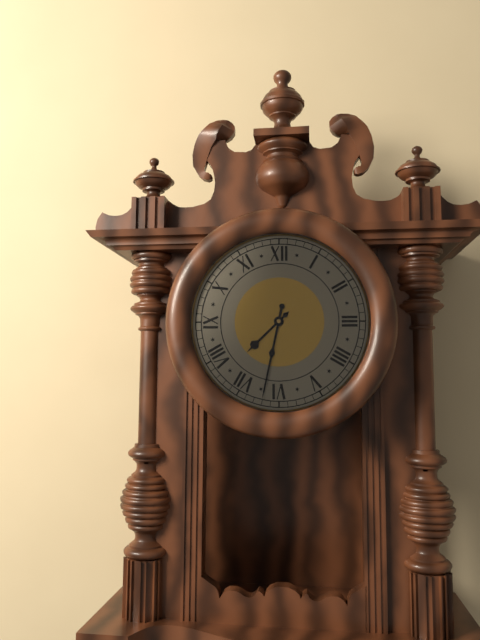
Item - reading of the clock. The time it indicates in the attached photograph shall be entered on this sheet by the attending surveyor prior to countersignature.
7:32
